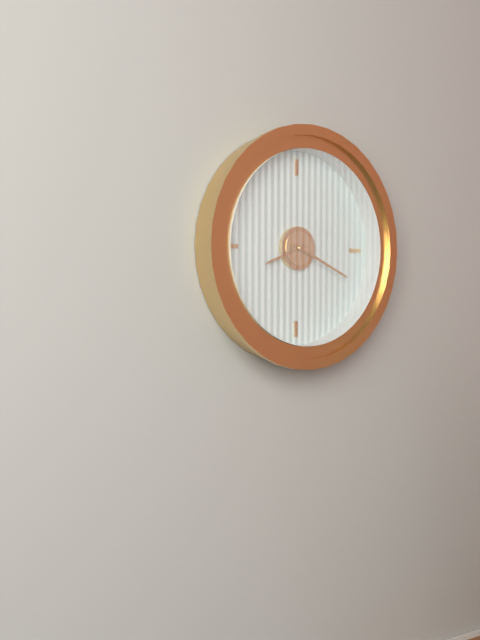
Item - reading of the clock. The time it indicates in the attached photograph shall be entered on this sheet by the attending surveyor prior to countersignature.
8:19
